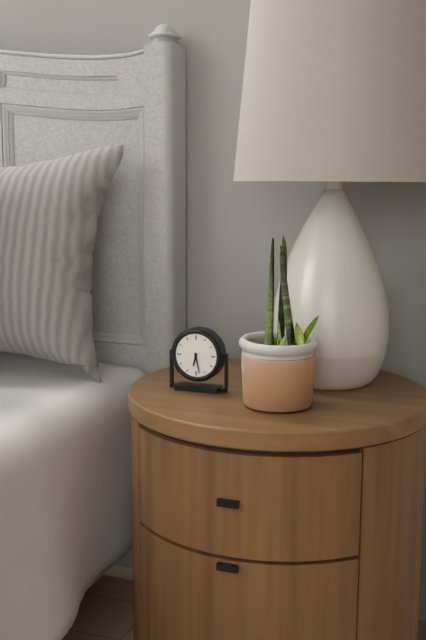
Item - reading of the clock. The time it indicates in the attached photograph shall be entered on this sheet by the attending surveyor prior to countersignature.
6:28
